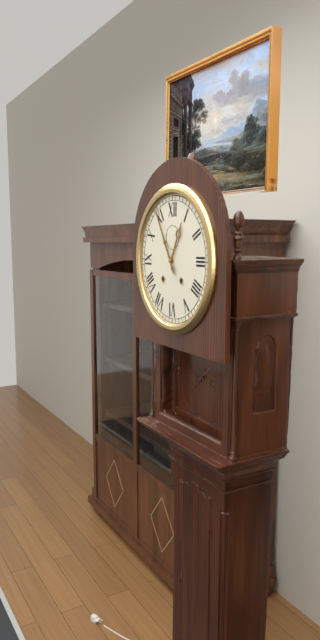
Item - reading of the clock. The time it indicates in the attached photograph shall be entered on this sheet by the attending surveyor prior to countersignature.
12:55
